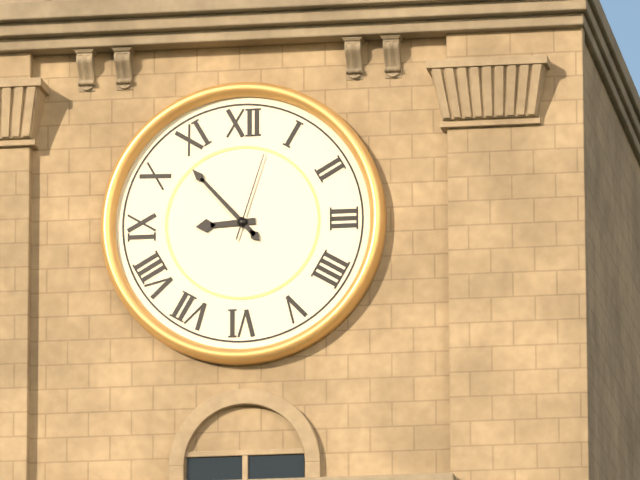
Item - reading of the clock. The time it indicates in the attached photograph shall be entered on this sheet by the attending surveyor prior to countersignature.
8:53:03
